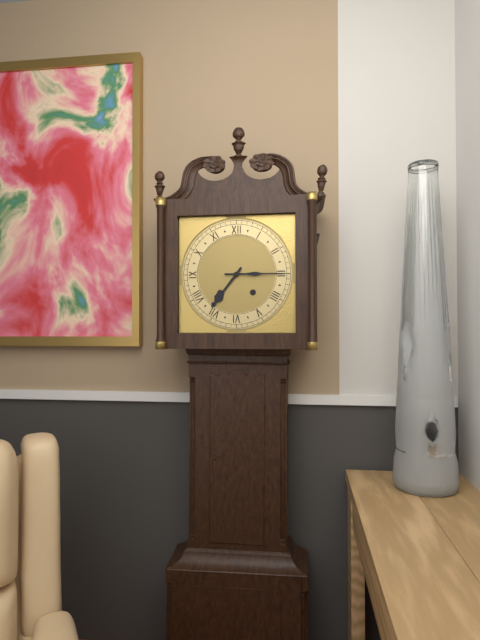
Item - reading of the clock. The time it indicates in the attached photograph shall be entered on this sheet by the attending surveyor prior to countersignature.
7:15
